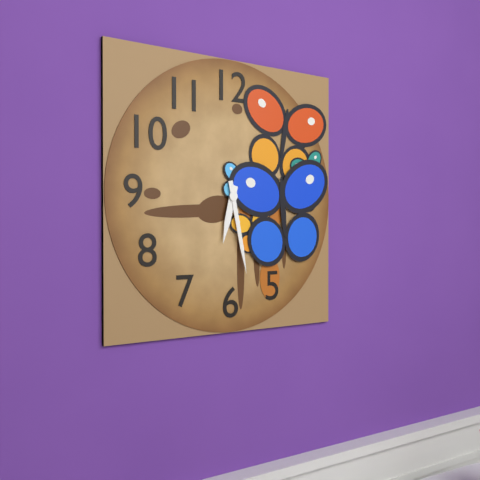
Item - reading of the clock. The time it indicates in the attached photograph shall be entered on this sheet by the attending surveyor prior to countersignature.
6:28
